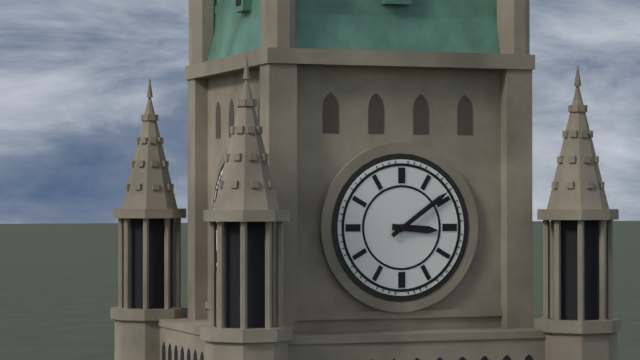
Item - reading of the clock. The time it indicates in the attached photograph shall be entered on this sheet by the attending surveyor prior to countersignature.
3:09
